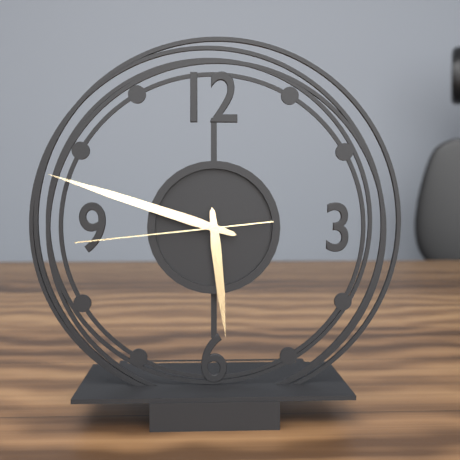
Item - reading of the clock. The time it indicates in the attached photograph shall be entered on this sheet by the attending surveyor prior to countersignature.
5:48:44
